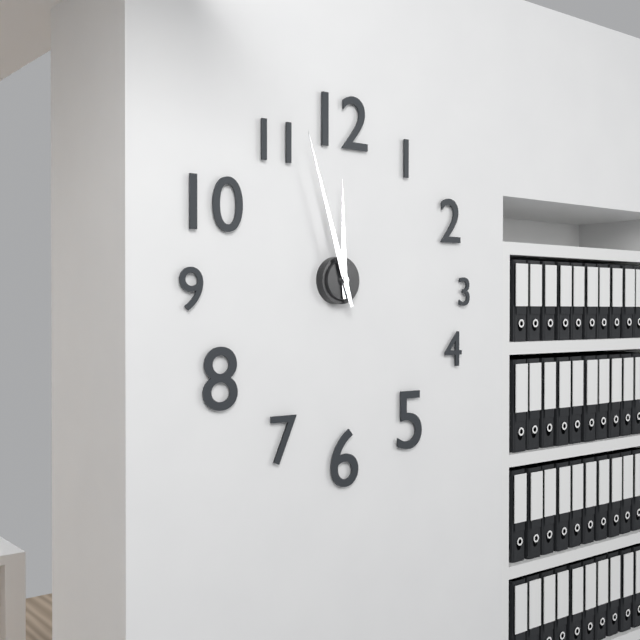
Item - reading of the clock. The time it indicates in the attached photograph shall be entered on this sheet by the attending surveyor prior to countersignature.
11:57
